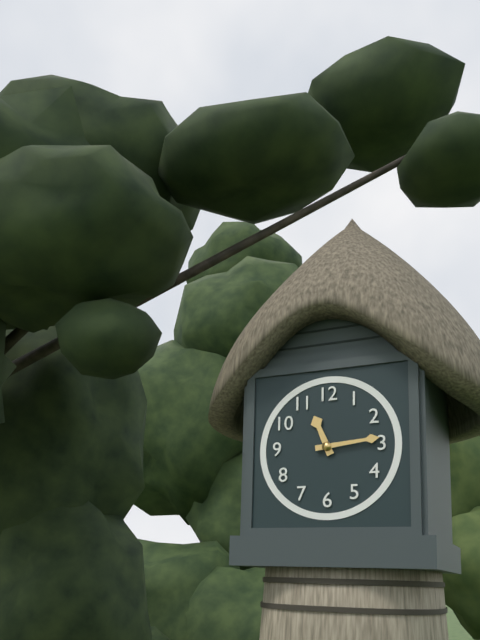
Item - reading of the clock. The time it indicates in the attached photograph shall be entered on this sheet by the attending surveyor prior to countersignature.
11:14
